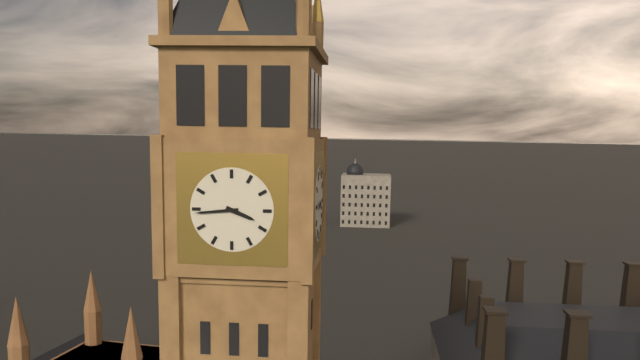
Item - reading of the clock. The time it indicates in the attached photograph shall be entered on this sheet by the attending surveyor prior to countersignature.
3:44
